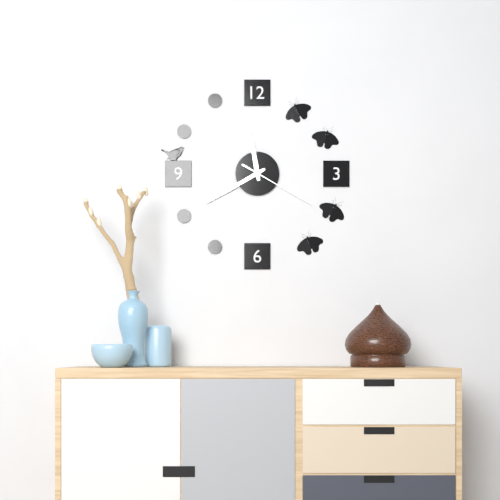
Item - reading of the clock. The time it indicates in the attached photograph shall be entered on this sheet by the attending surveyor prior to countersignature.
11:40:20
